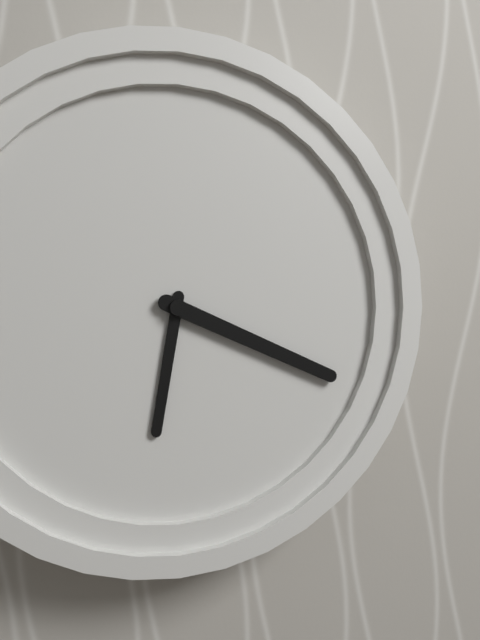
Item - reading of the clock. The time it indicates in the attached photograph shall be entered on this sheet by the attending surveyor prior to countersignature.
6:19
